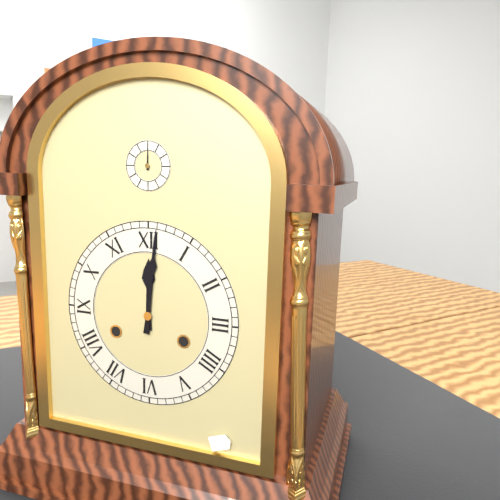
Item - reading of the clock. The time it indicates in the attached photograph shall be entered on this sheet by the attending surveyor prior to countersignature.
12:01
